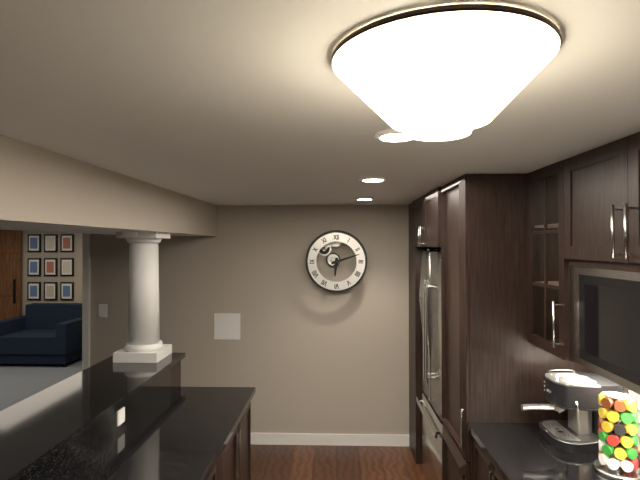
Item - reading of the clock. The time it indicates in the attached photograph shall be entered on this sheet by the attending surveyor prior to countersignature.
6:12
